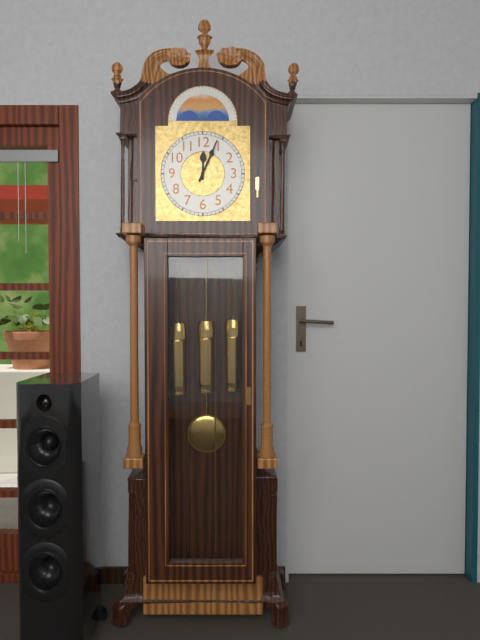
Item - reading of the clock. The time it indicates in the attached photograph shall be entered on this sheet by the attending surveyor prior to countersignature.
12:04
